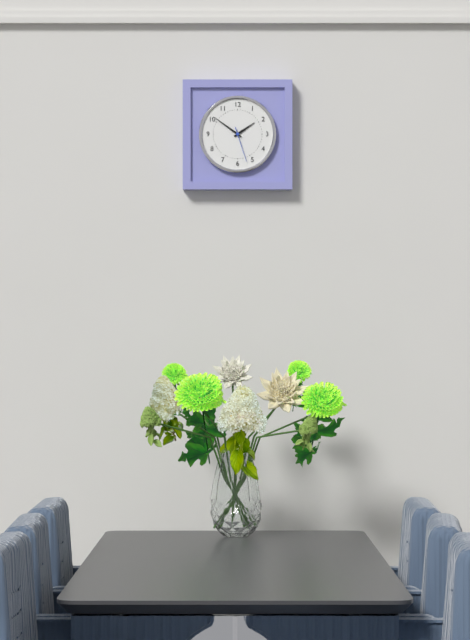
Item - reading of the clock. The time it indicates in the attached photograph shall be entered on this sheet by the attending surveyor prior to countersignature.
1:51
